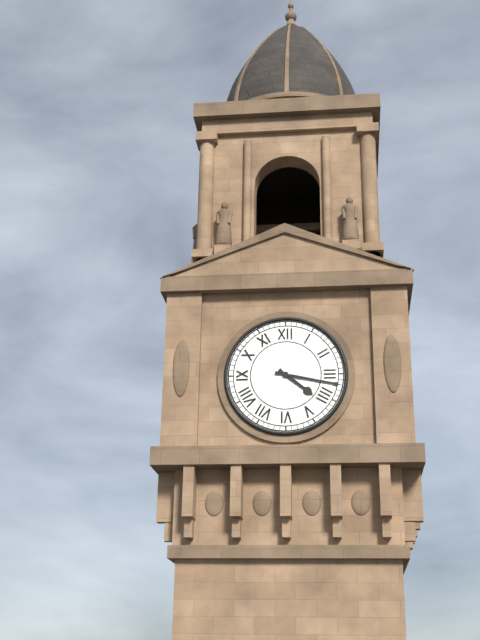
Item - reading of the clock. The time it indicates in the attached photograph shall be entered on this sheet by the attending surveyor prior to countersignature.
4:17
